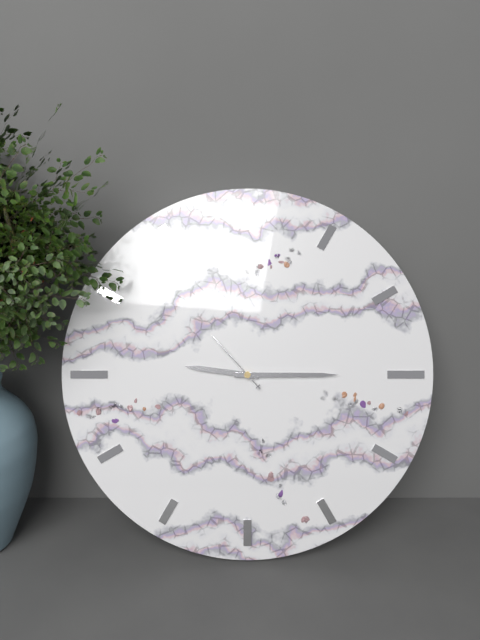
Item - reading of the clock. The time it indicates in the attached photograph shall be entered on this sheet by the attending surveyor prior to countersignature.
9:15:53
